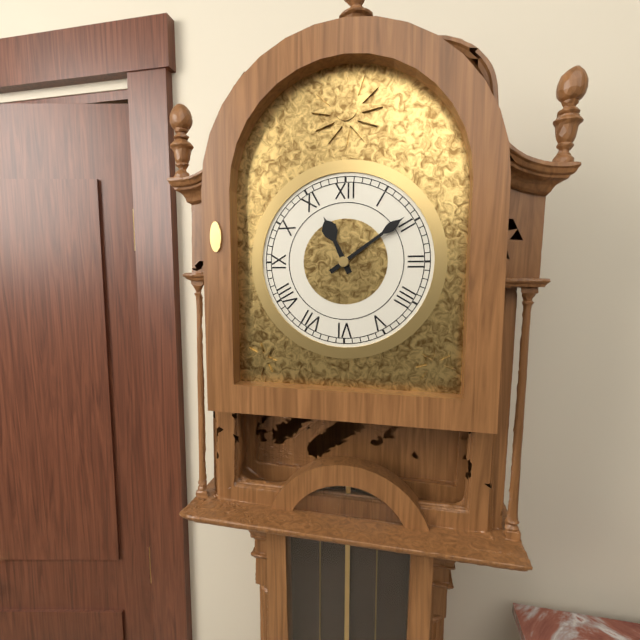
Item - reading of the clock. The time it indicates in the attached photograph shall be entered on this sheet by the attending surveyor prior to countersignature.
11:09
